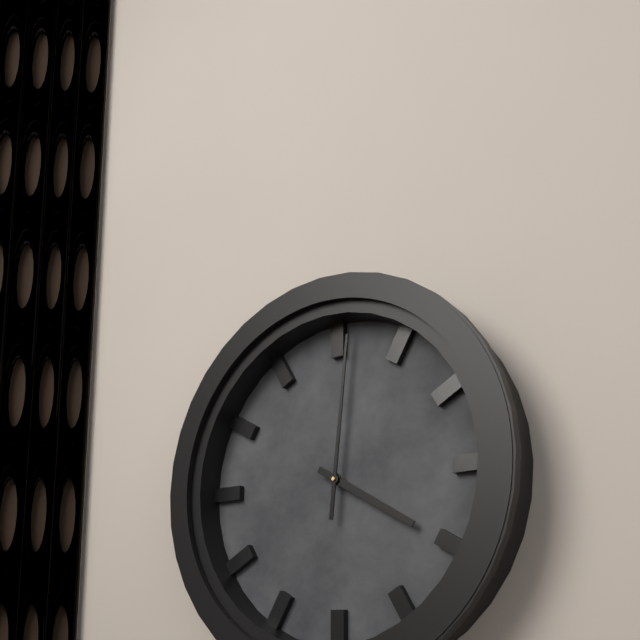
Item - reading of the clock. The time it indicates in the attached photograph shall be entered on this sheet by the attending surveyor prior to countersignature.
4:01
